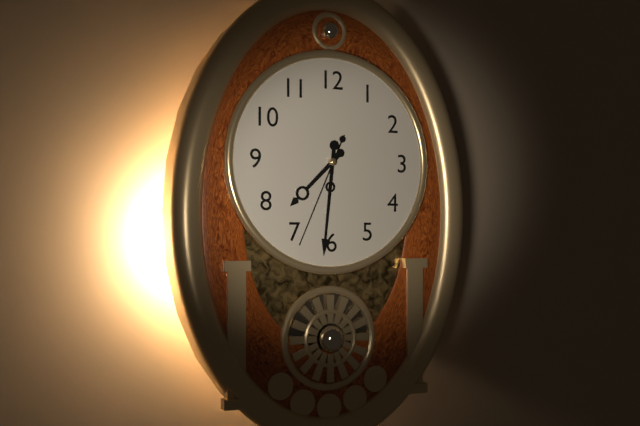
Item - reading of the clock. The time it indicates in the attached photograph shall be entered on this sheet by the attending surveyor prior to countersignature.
7:31:34
